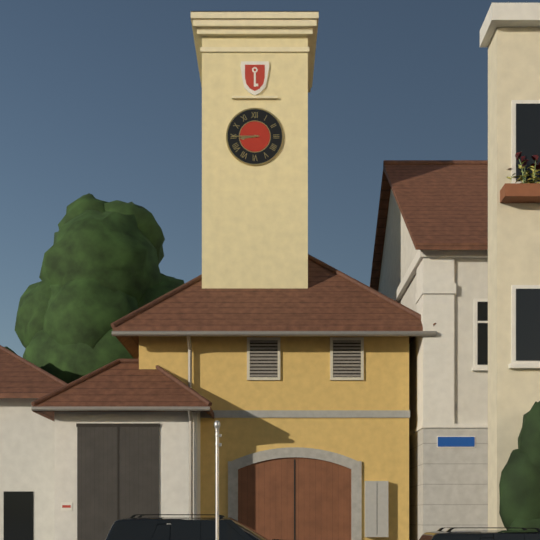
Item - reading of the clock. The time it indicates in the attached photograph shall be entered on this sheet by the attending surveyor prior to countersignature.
8:45
